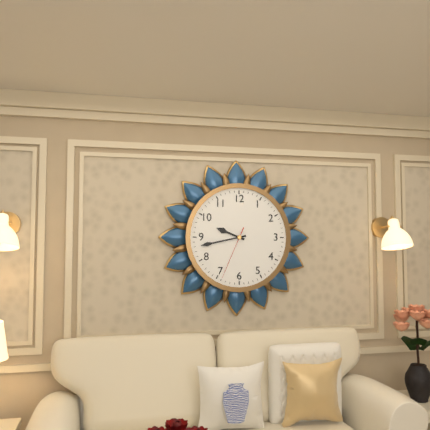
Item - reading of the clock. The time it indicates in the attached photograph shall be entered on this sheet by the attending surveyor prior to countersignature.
9:43:34
